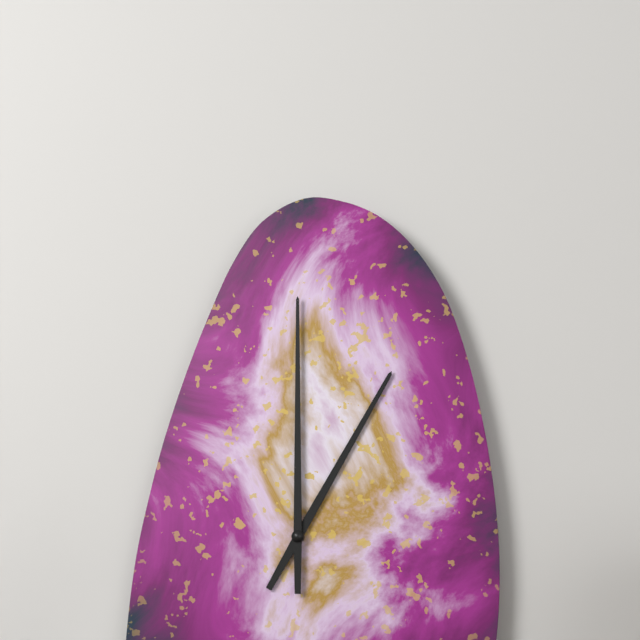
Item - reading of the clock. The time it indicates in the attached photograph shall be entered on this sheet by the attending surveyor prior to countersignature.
1:00
